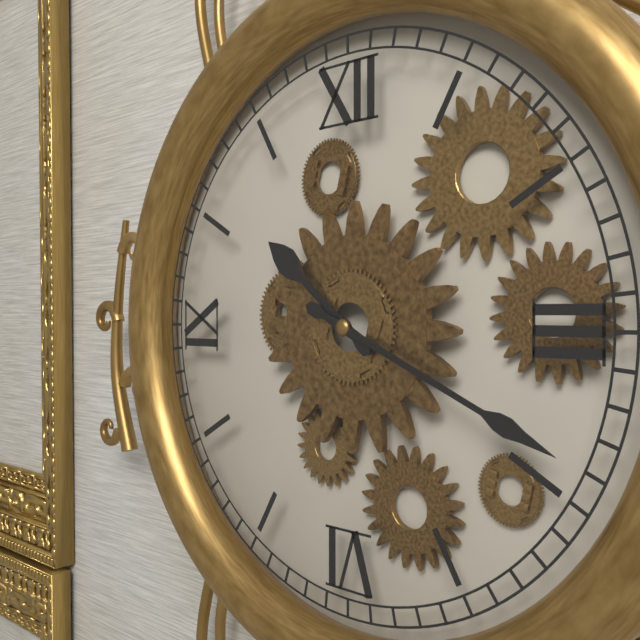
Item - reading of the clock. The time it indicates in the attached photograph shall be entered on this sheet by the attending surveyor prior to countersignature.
10:19
